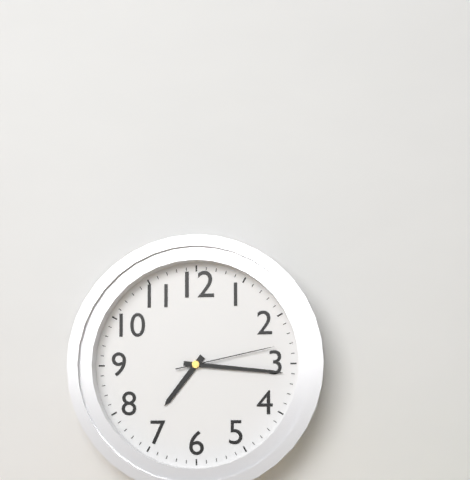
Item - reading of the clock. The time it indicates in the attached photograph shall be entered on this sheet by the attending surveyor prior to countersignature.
7:16:13
